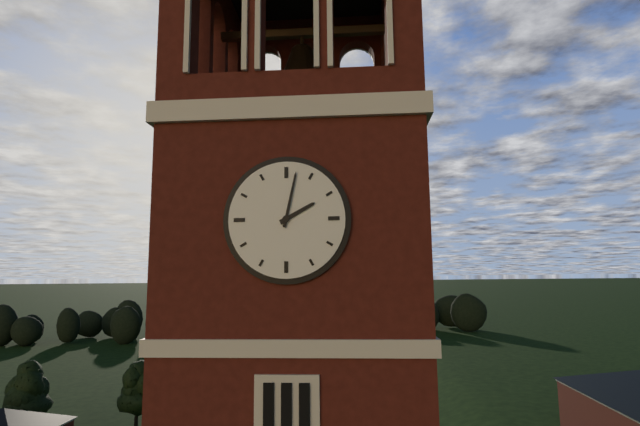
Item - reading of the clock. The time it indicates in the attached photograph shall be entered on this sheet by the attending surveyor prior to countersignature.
2:02
